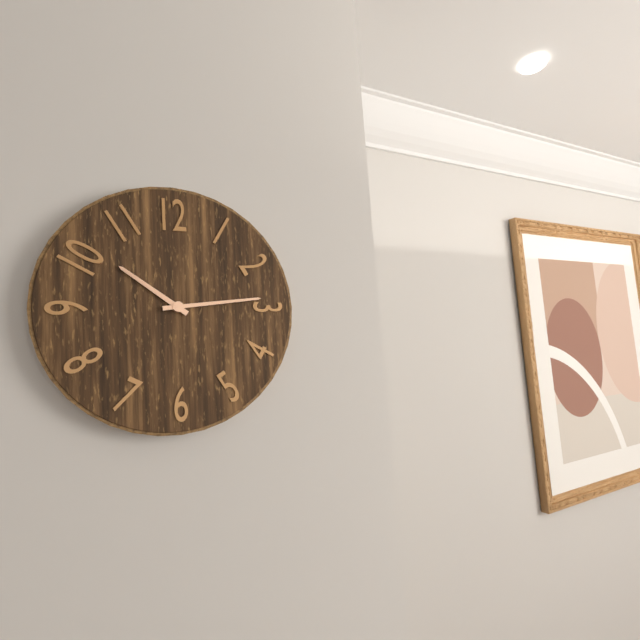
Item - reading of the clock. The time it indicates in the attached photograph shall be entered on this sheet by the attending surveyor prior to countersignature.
10:14
